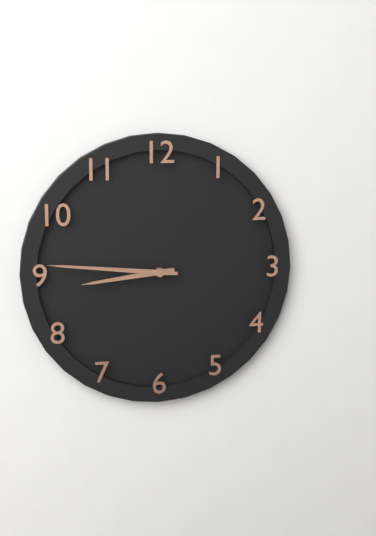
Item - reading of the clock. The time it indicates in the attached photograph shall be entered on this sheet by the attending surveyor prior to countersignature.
8:46
